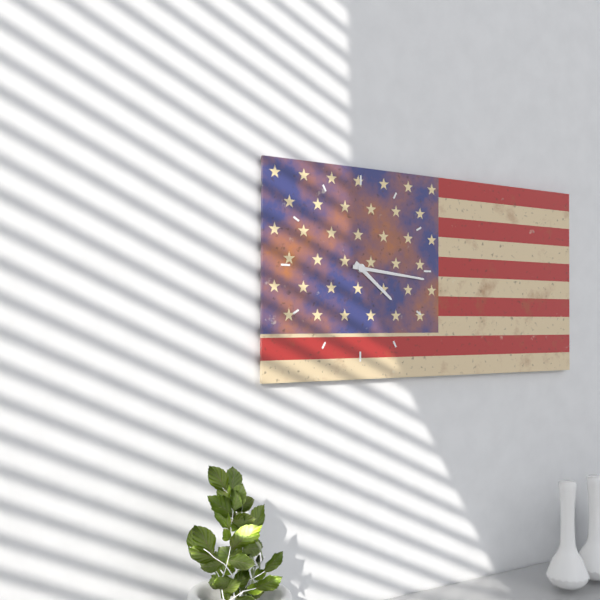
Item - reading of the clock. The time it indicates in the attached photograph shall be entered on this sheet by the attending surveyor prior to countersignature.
4:16
